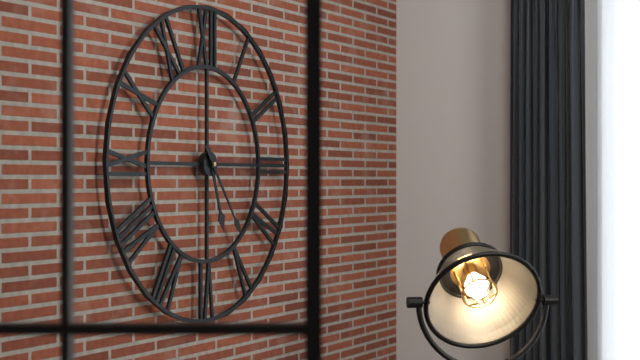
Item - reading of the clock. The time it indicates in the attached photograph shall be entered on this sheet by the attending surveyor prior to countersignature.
5:24
